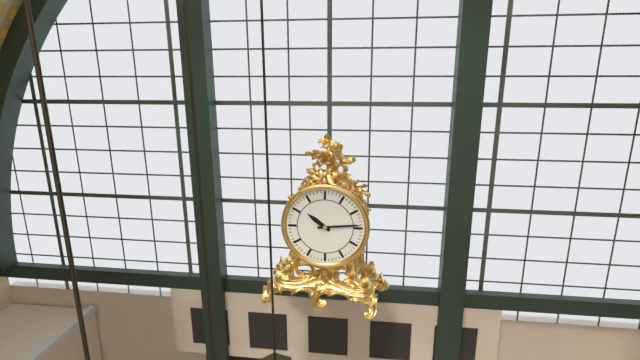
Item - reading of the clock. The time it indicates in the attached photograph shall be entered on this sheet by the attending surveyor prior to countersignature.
10:14
